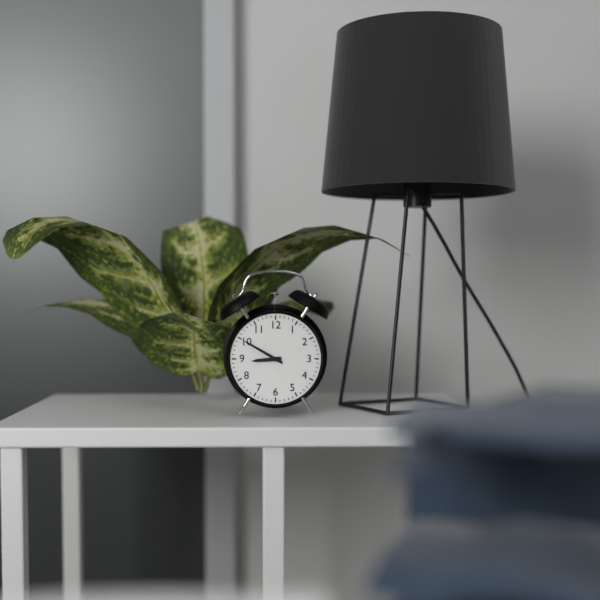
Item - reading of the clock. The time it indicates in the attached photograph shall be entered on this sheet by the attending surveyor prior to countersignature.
8:50
